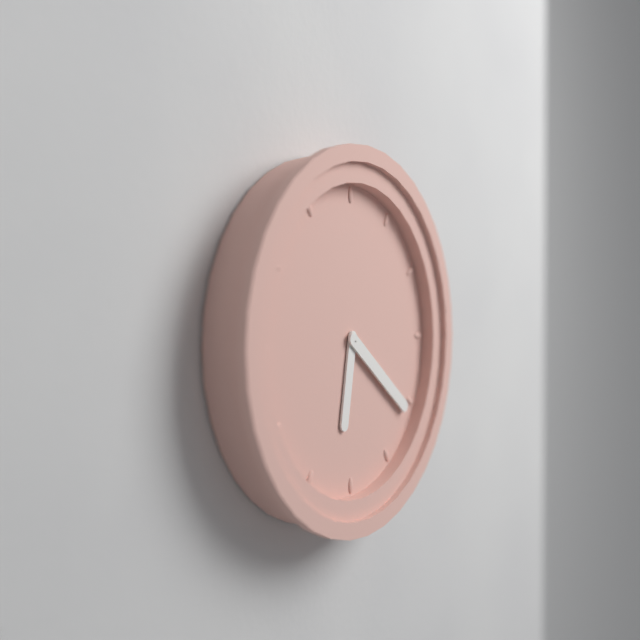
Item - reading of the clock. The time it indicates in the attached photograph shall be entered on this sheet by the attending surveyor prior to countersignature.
6:21
